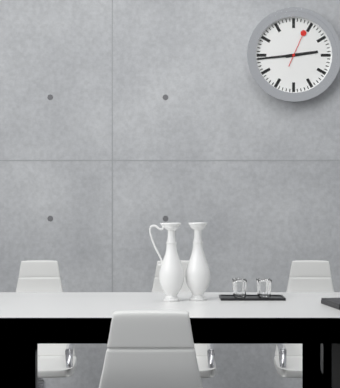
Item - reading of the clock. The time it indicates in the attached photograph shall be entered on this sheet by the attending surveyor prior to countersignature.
2:44
